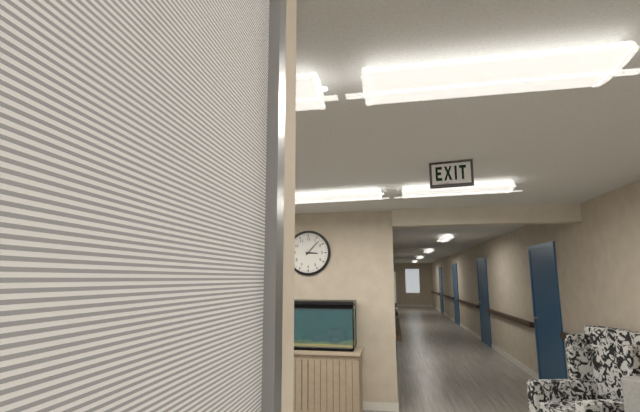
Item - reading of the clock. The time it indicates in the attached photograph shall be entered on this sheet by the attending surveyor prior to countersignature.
3:07
